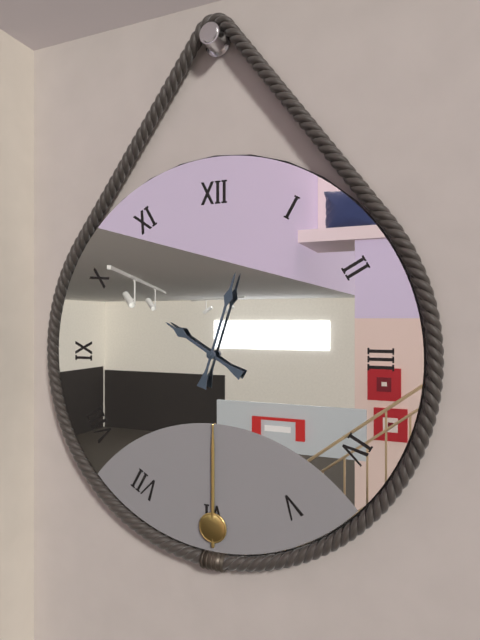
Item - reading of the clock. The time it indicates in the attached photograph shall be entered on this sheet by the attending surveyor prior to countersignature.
10:03
